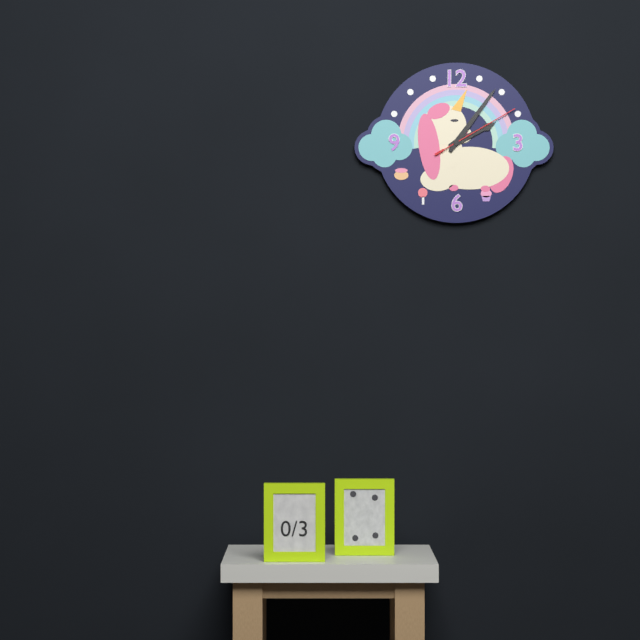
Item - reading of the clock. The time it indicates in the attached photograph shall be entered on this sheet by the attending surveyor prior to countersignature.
2:06:10
